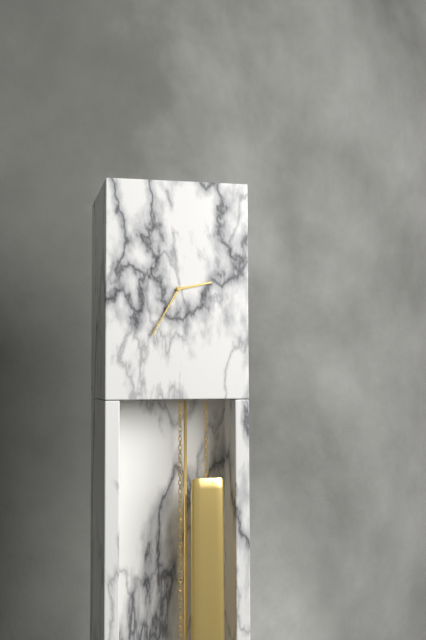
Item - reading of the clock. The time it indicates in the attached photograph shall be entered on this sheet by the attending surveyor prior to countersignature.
2:35
